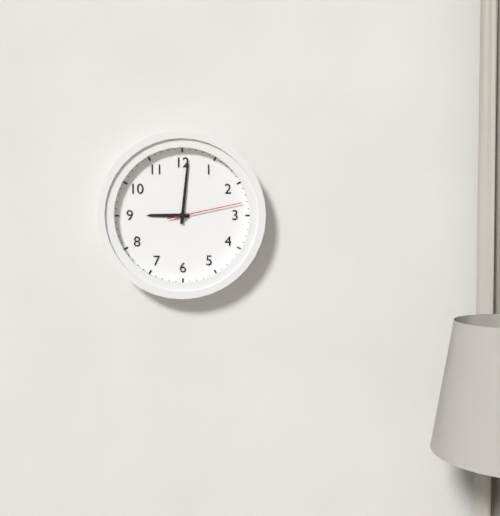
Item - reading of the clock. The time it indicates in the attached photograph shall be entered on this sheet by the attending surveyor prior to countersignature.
9:01:13
